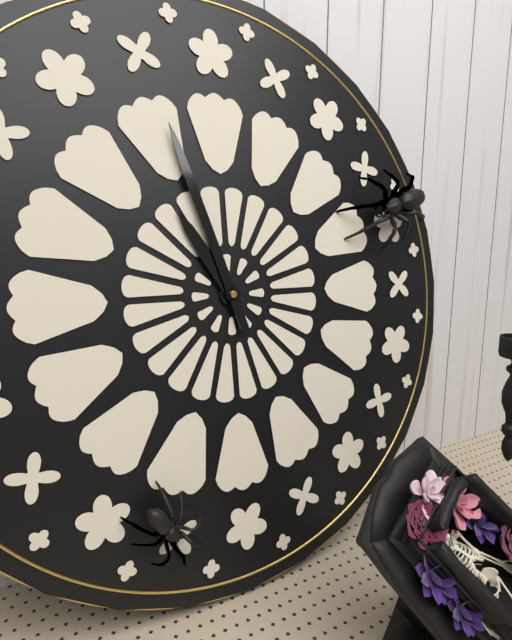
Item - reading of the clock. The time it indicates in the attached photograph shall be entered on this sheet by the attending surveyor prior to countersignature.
10:57
